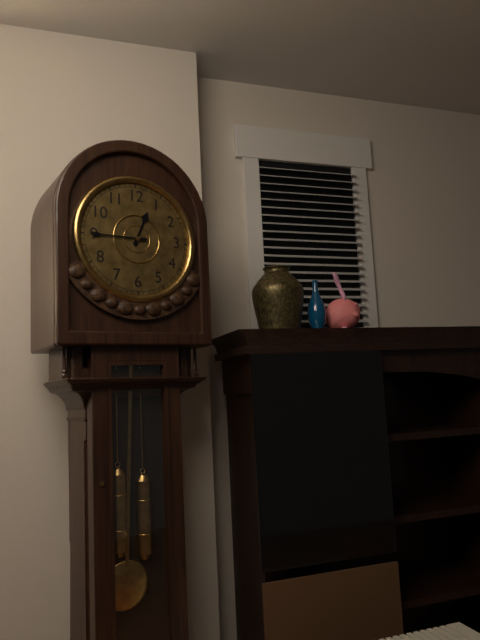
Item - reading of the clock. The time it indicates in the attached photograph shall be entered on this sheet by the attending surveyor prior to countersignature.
12:45
